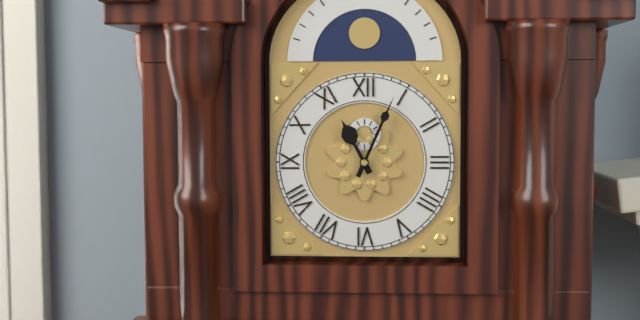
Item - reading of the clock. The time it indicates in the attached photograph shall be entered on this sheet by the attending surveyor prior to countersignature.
11:04
